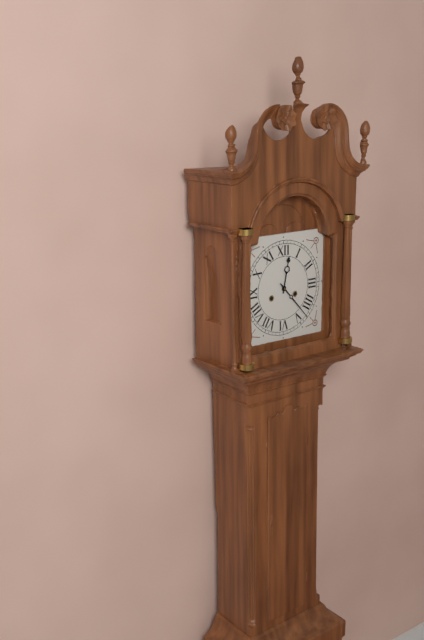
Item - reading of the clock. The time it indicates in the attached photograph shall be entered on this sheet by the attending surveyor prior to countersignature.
12:23
